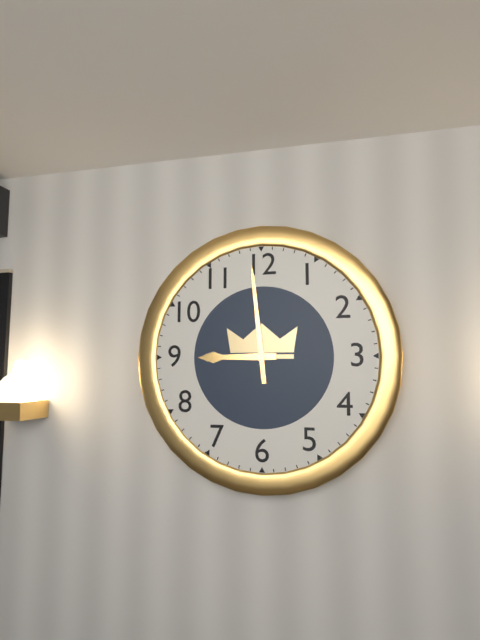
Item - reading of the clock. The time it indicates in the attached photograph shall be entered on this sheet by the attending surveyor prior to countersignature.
8:59
